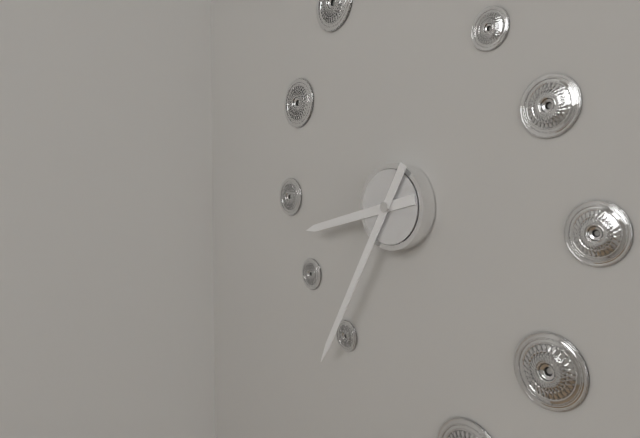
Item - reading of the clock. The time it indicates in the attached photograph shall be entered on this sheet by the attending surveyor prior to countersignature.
8:35
